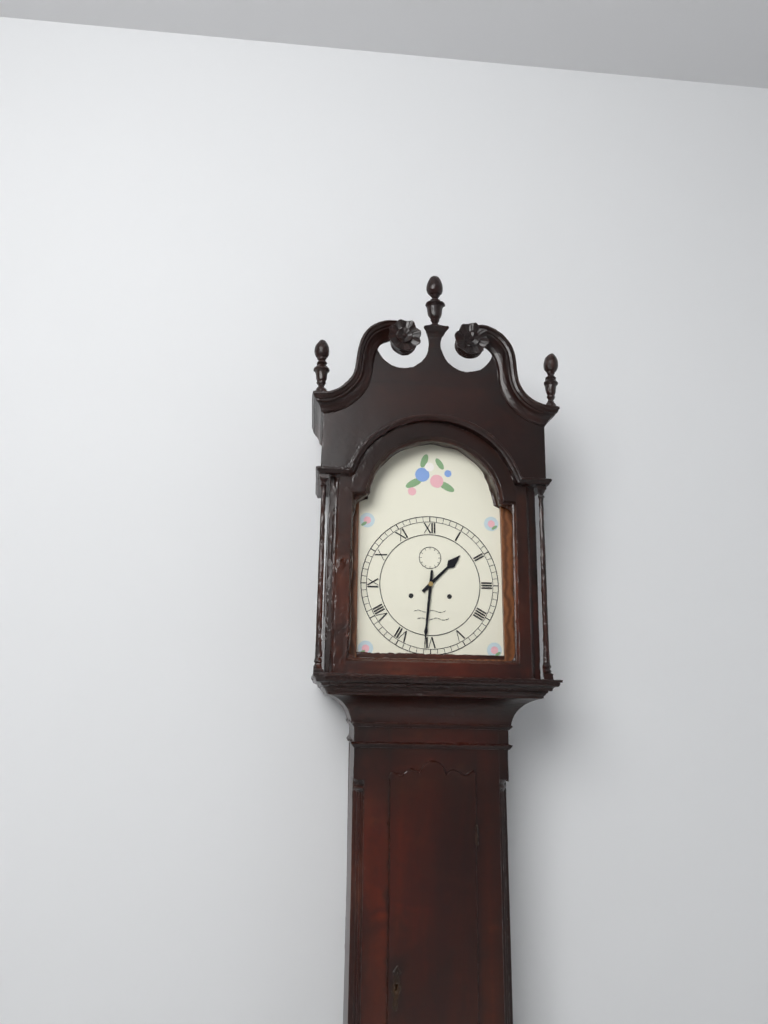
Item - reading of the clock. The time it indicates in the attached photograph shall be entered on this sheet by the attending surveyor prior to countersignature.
1:31
